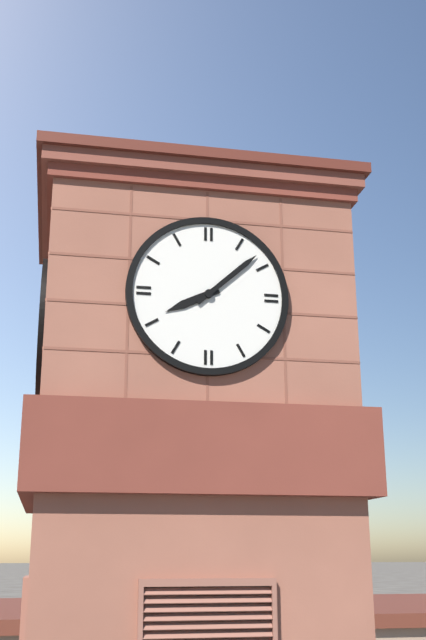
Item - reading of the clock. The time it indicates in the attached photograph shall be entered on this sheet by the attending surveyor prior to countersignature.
8:08
